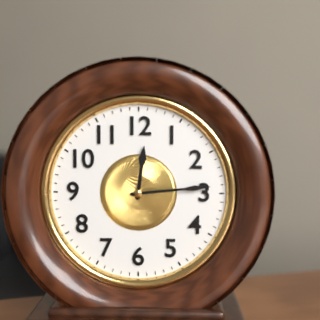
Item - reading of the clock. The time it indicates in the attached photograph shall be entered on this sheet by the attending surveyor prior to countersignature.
12:14
